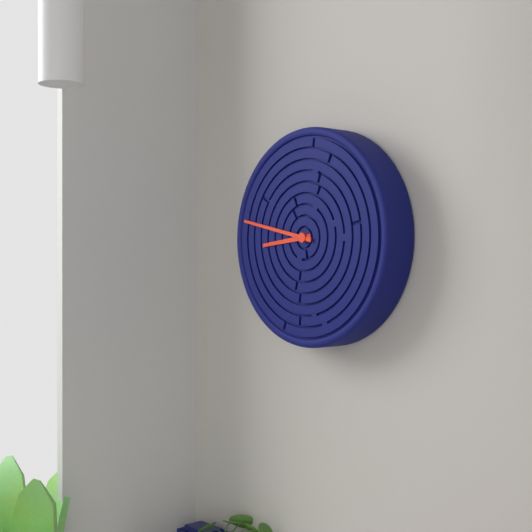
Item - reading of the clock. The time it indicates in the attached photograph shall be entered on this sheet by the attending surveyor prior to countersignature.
8:47
